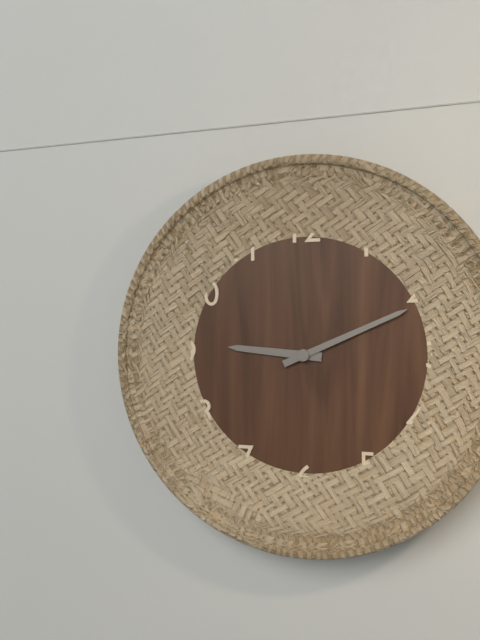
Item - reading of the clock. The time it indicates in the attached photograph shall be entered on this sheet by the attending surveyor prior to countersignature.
9:11
